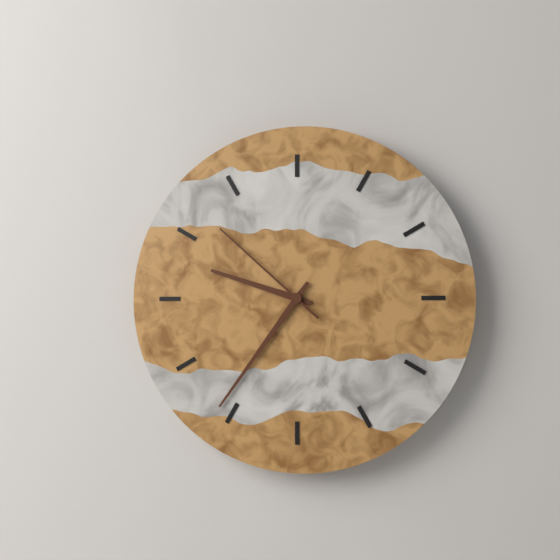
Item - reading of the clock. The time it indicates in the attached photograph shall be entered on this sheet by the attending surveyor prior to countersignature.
9:36:52
